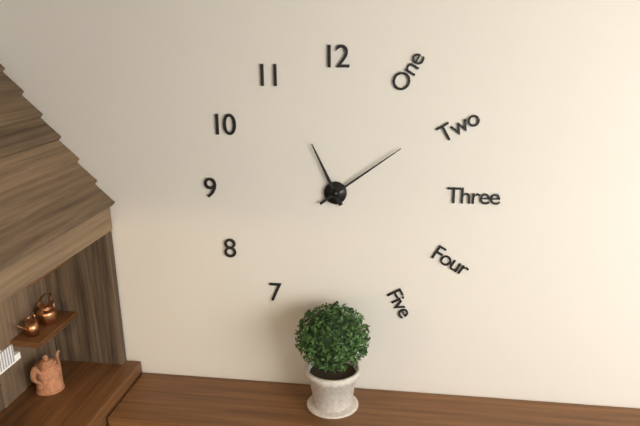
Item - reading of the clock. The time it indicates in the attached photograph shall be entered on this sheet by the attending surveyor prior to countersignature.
11:09
